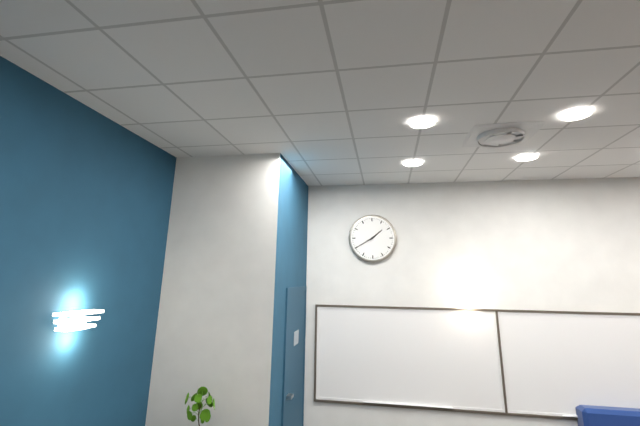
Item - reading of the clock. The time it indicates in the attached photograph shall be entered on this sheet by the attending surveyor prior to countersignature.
1:40
